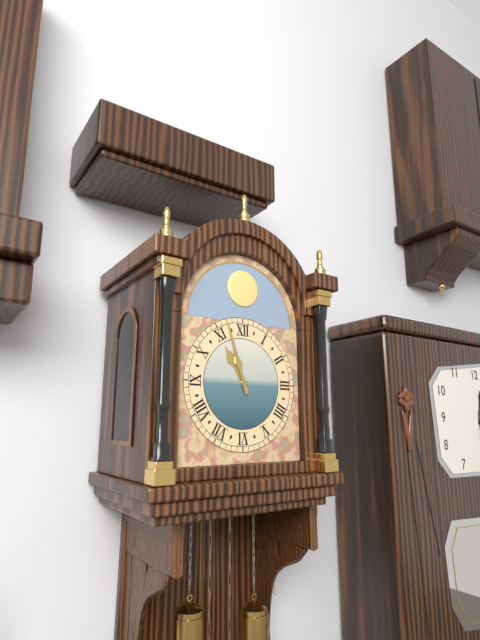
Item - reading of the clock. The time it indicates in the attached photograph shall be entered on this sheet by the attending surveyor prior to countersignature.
10:57
